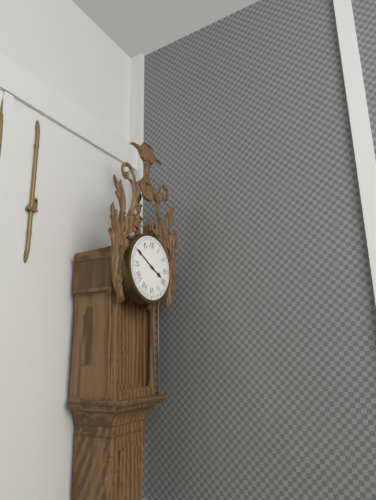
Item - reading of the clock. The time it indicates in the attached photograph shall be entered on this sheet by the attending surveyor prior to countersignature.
3:50
